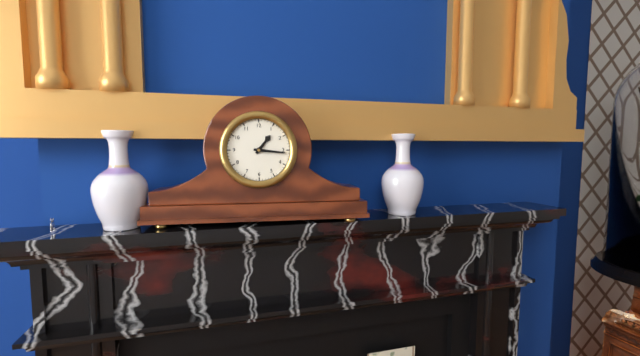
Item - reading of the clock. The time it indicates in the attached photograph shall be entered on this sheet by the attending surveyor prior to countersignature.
1:16
